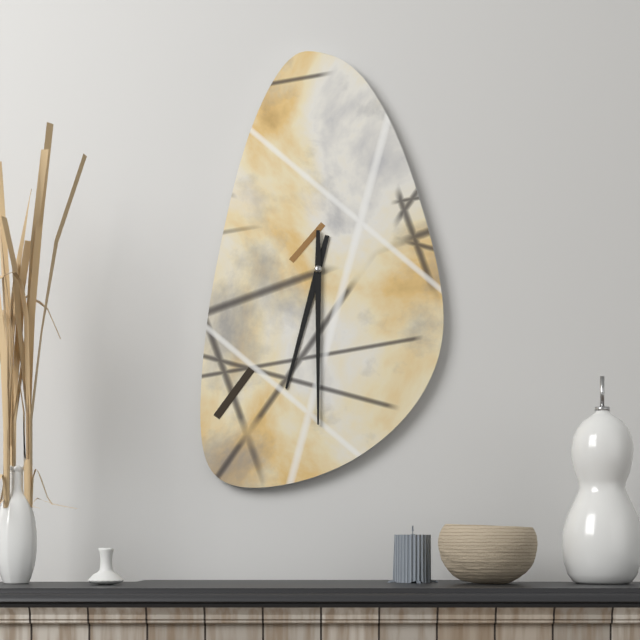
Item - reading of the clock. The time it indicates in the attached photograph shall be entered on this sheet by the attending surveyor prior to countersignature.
6:30
